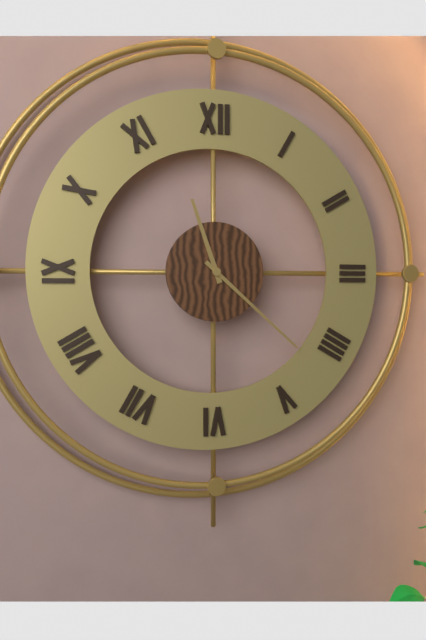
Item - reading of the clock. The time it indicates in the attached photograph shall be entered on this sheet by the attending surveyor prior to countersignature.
11:22
